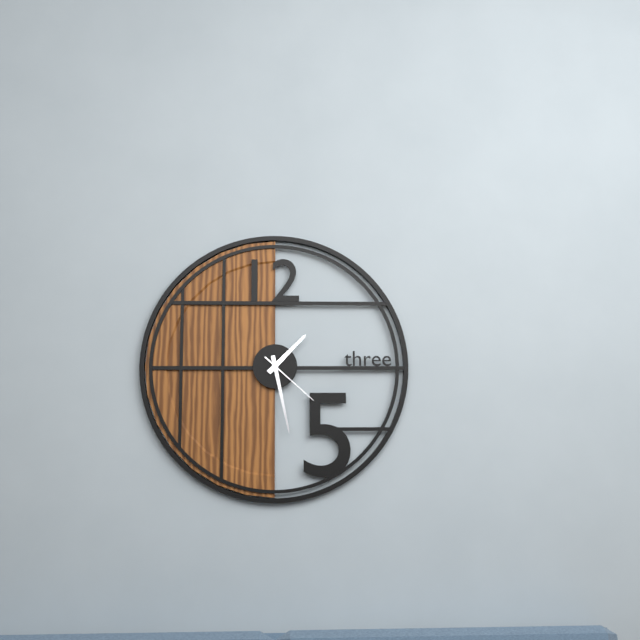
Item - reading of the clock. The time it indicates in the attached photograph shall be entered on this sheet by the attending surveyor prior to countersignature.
1:28:22
